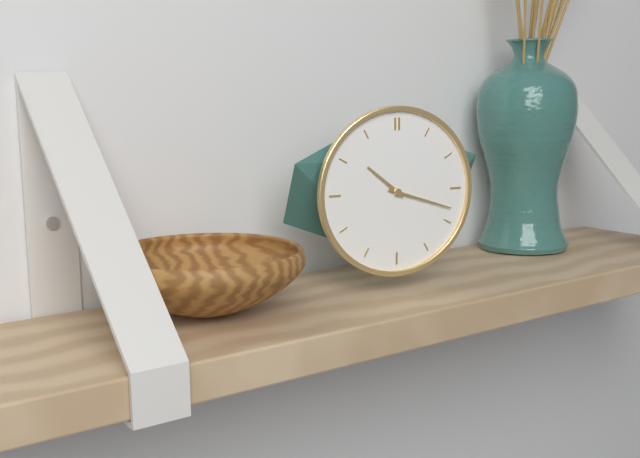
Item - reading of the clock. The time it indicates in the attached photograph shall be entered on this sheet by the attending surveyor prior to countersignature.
10:18
